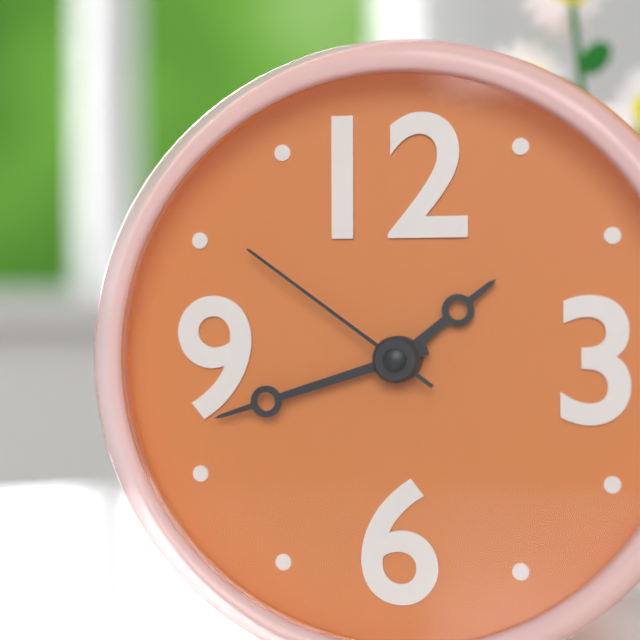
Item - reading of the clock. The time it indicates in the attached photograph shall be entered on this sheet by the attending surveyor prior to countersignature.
1:42:51
